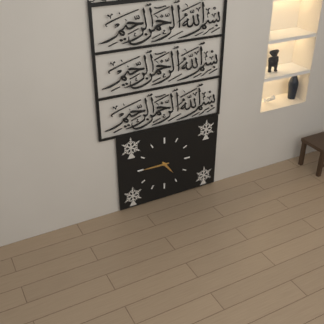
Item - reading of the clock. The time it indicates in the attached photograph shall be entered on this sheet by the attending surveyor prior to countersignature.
4:45
